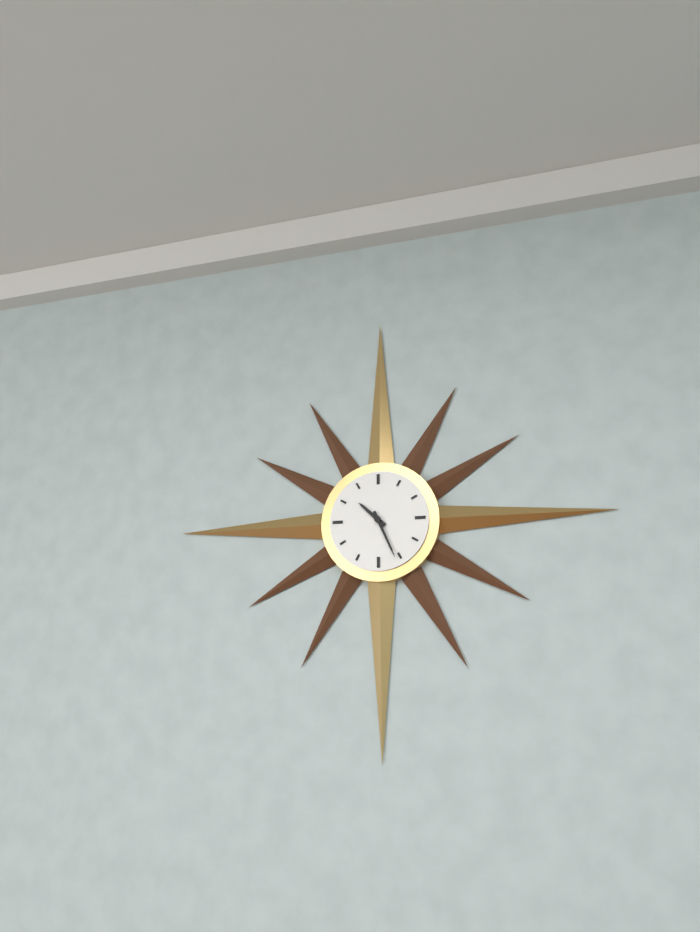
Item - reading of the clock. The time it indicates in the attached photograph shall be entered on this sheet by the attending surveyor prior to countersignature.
10:26
